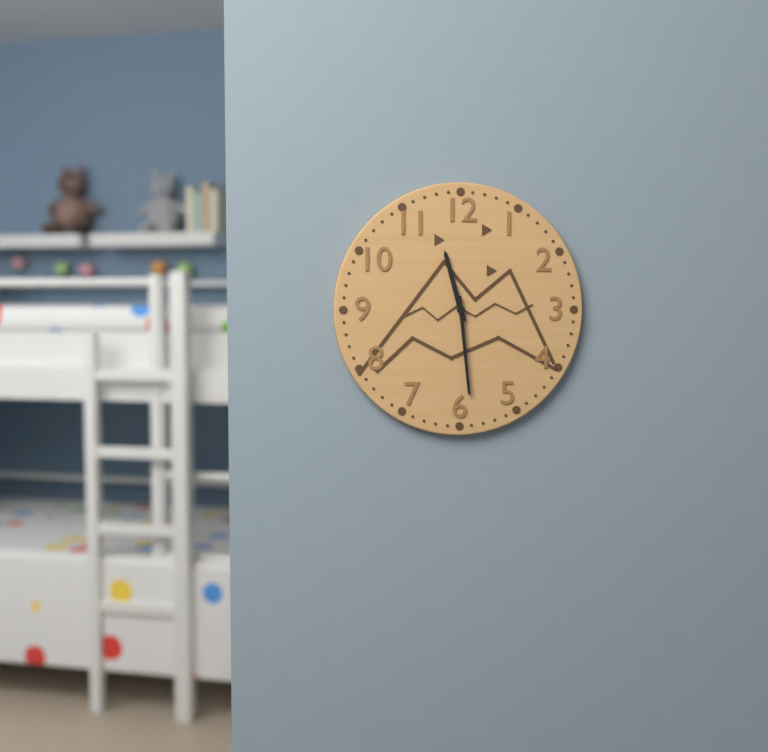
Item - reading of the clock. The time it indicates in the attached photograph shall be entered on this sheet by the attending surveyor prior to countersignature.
11:29
